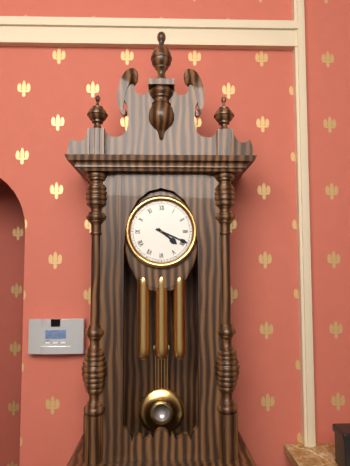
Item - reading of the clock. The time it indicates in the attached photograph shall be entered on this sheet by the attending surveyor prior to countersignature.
4:19
